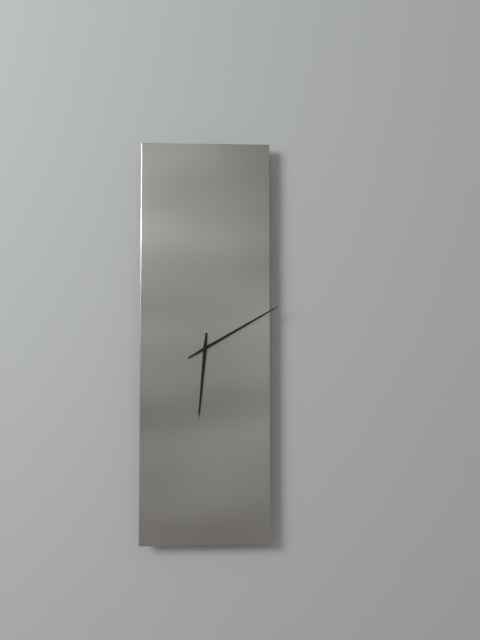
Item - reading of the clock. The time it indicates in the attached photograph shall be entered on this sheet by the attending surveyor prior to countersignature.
6:10
